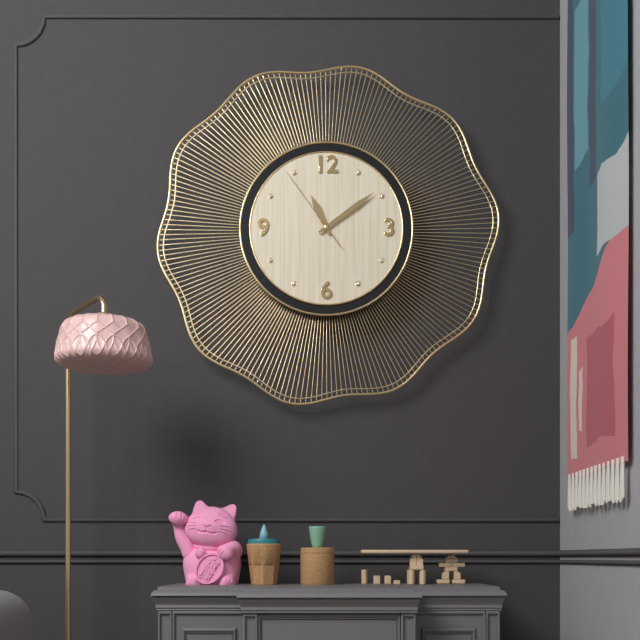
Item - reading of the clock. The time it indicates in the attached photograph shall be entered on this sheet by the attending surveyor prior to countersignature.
11:09:54
